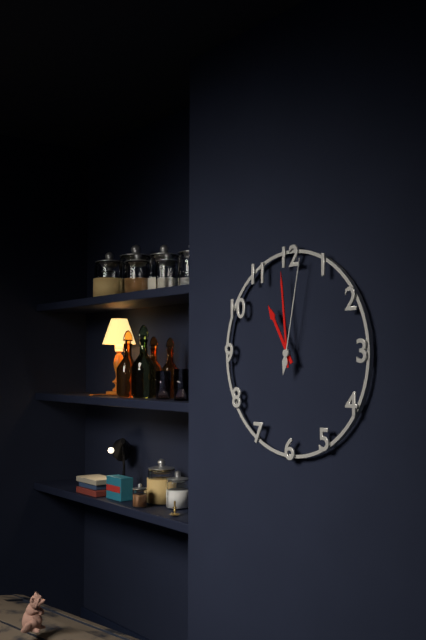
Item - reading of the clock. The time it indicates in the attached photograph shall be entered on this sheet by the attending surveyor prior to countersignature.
10:59:02
